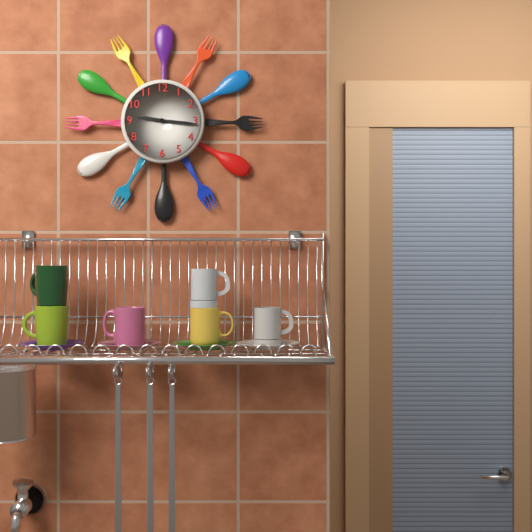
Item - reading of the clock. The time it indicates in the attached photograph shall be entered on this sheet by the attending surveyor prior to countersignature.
9:16
